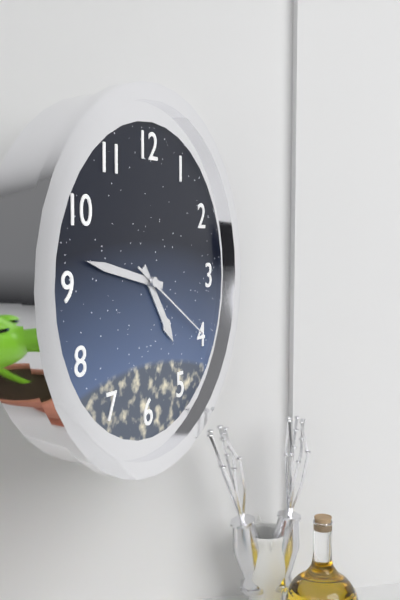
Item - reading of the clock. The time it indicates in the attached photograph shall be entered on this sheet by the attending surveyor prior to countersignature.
4:47:20
